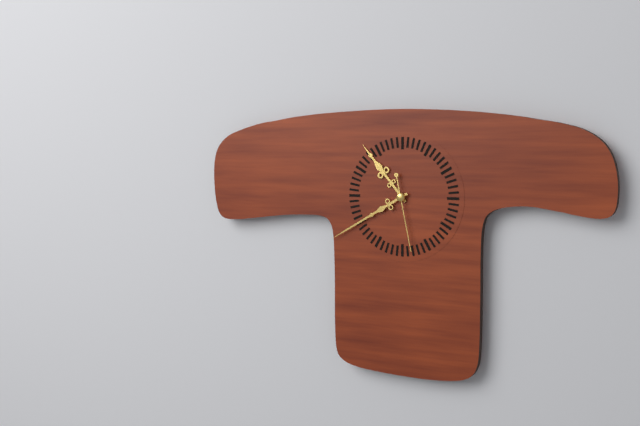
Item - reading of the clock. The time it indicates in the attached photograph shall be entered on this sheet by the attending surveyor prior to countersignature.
10:40:28
